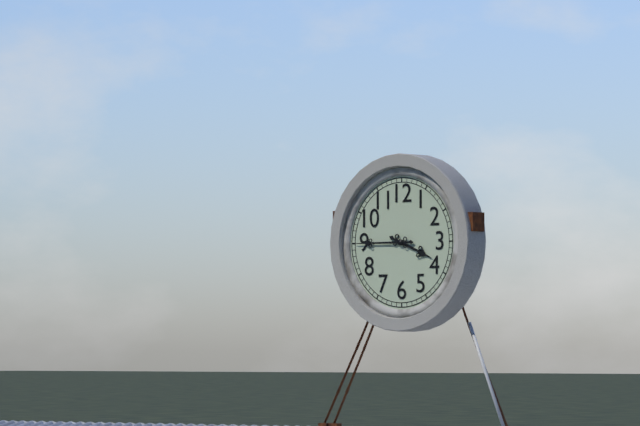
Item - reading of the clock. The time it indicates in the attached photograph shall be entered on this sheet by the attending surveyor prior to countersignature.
3:45
